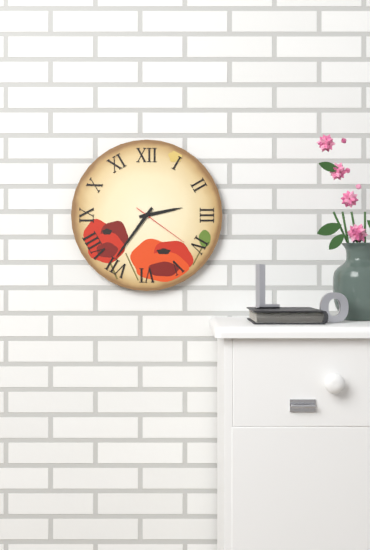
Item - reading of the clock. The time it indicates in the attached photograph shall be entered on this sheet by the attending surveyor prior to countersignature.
2:36:21
